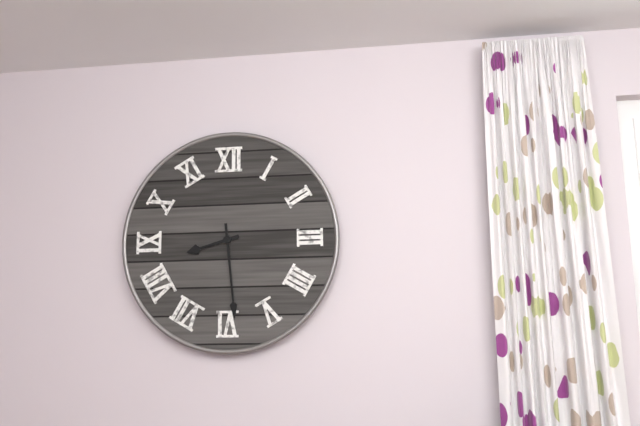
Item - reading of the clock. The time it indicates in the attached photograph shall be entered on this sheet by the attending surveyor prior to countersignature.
8:29
